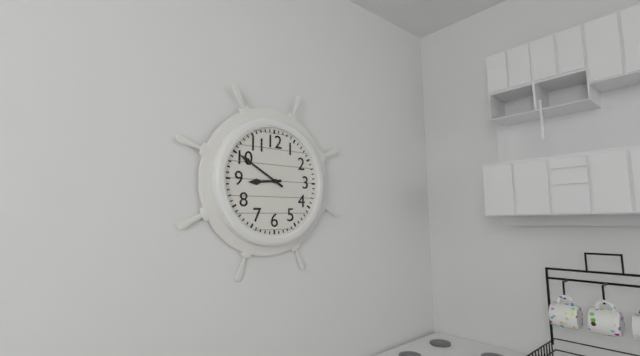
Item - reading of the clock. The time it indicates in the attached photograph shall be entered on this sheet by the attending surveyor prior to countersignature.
8:50
